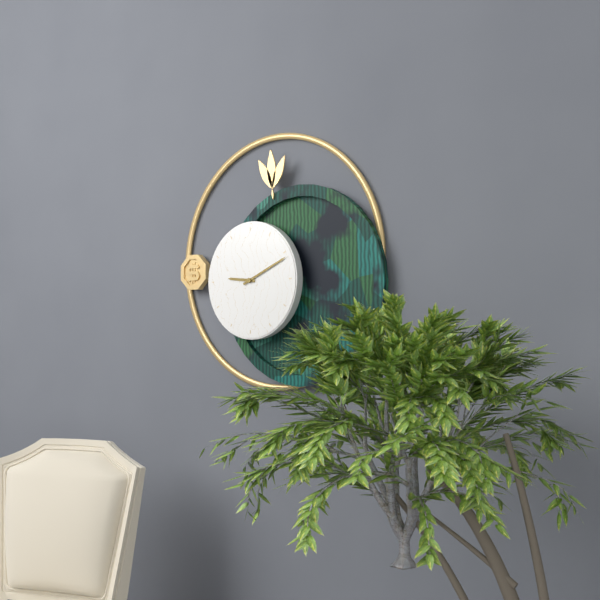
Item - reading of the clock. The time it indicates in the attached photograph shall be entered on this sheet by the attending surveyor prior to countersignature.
9:11
